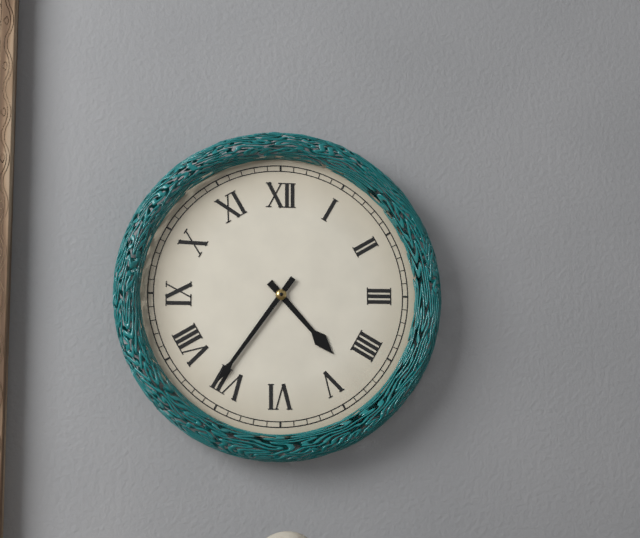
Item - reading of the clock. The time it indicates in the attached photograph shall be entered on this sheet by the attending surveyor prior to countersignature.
4:36
